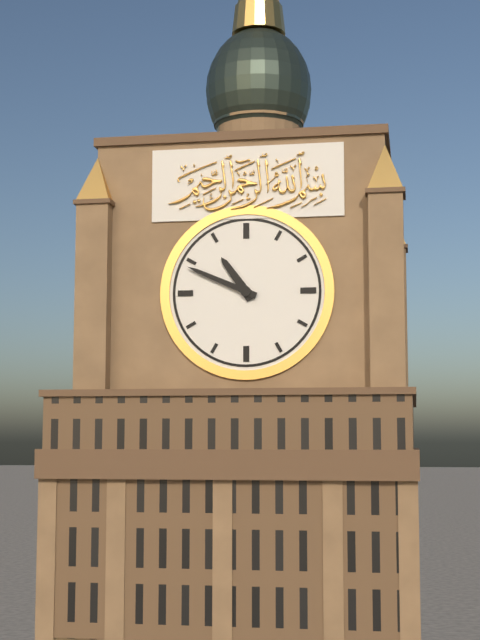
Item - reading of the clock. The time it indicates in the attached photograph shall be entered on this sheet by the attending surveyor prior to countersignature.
10:49
